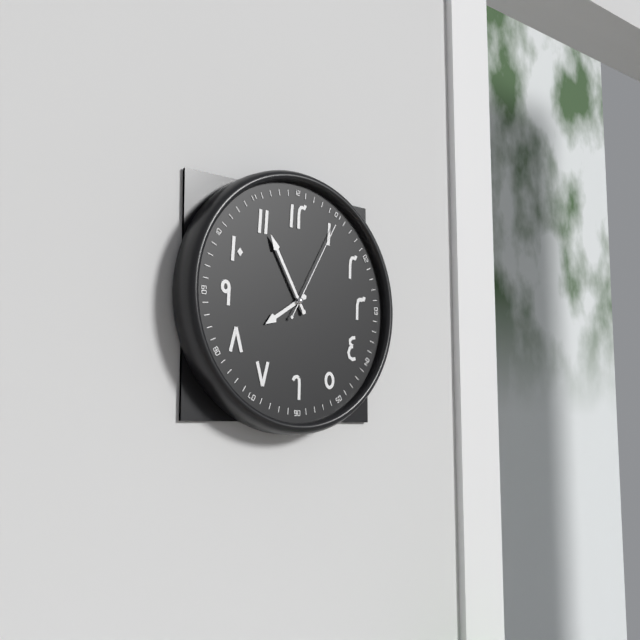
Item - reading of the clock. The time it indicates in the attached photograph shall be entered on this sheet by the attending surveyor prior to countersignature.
7:55:05
